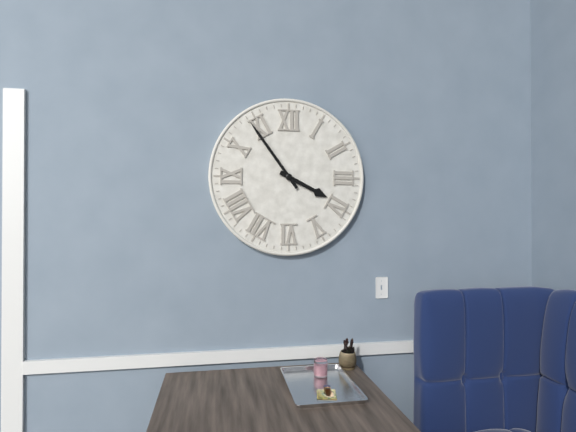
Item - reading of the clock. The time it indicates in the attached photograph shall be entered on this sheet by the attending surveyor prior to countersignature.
3:54
